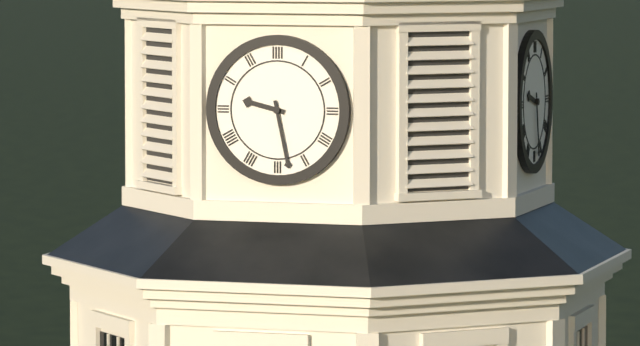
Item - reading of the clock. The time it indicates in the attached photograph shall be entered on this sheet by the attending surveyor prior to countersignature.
9:28
